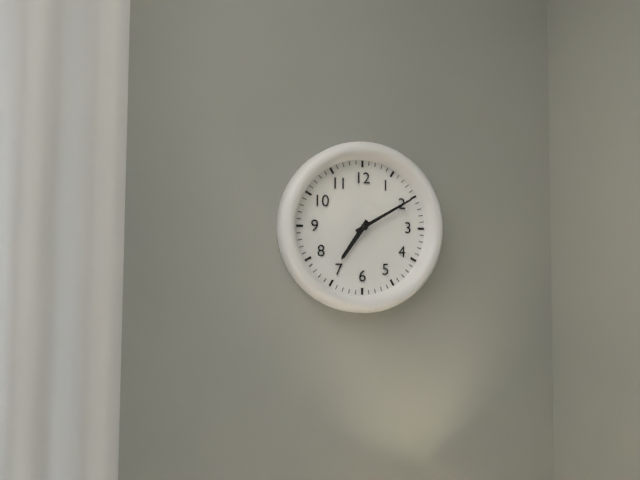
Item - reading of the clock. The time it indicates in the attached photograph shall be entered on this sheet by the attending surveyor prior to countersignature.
7:10
